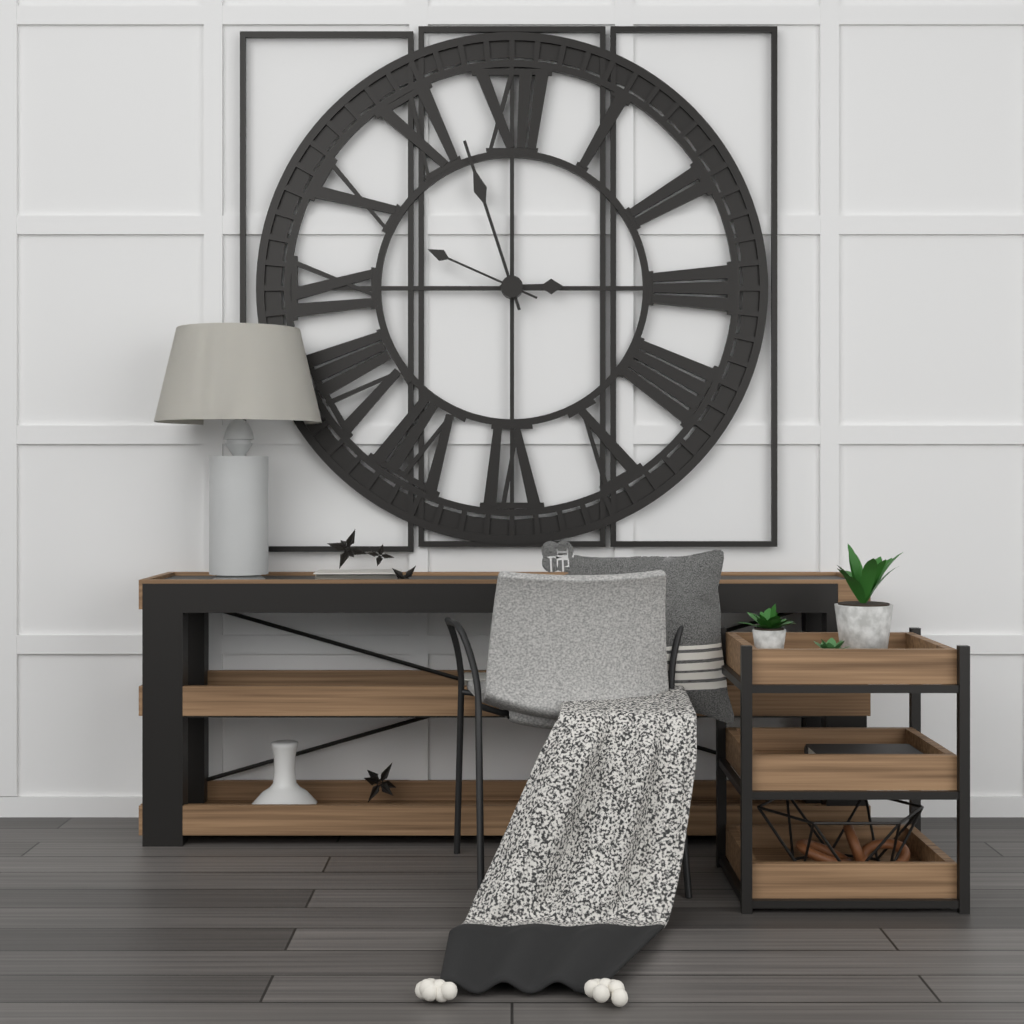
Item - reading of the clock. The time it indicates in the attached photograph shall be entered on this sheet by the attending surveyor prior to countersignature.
2:57:49
